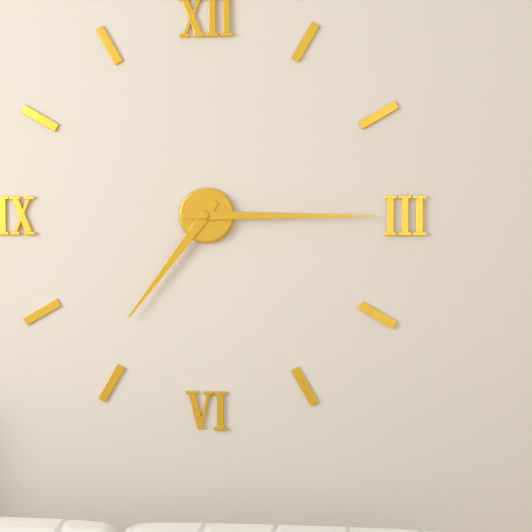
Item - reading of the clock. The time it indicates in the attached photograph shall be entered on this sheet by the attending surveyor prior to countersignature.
7:15
